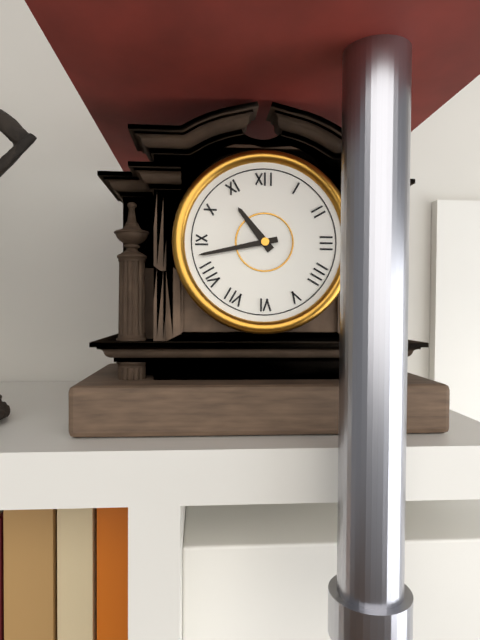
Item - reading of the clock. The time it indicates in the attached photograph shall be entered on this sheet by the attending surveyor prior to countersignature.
10:43
